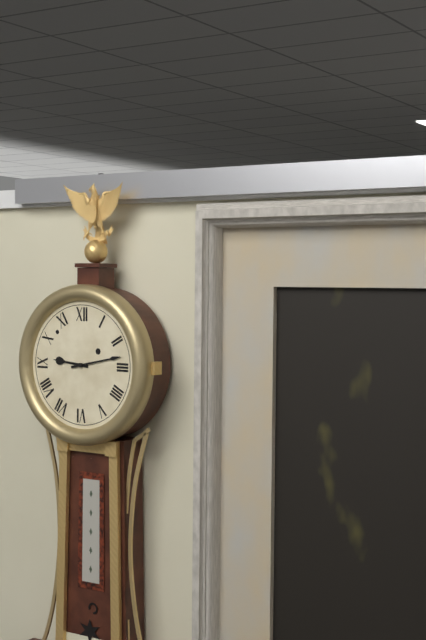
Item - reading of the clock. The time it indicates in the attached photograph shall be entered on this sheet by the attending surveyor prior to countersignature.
9:13
